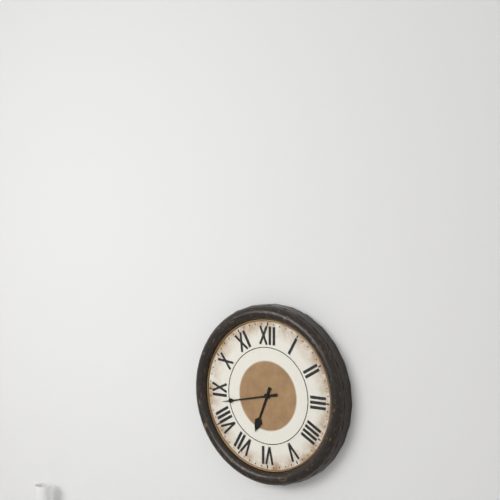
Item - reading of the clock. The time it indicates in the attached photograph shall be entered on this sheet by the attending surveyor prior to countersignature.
6:43
